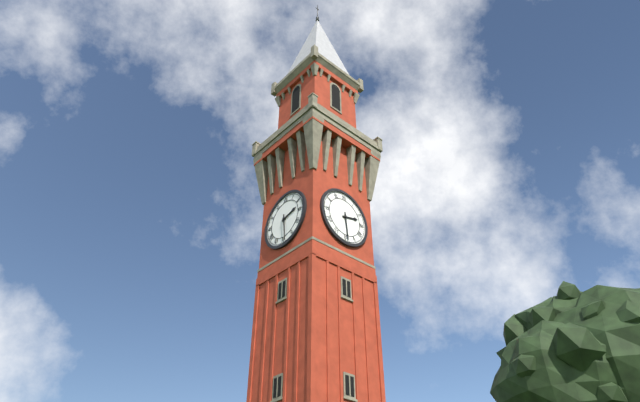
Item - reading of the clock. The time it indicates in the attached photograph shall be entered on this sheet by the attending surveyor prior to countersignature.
2:29
